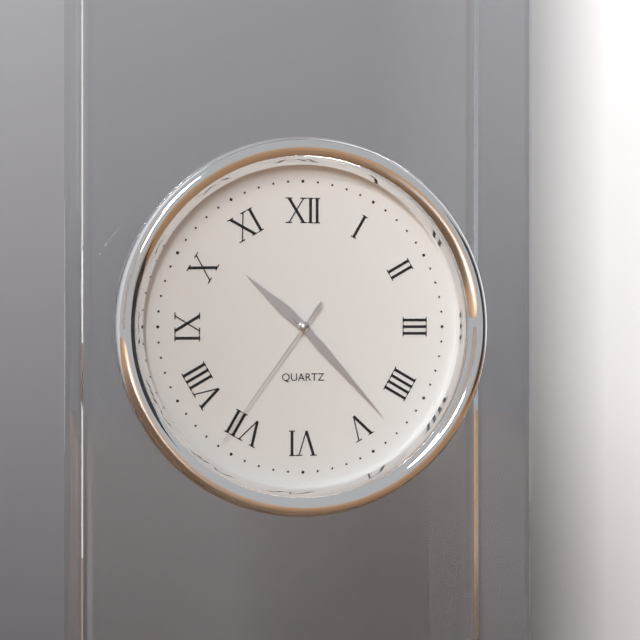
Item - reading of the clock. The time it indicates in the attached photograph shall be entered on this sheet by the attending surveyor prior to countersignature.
10:23:36
